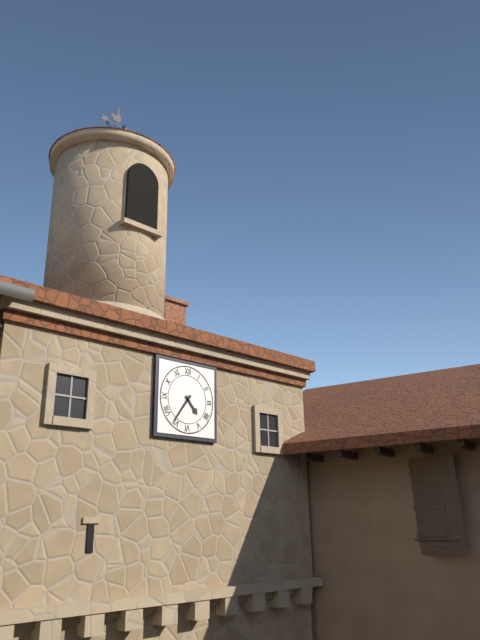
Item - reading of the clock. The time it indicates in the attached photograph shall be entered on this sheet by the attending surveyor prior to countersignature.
4:36
